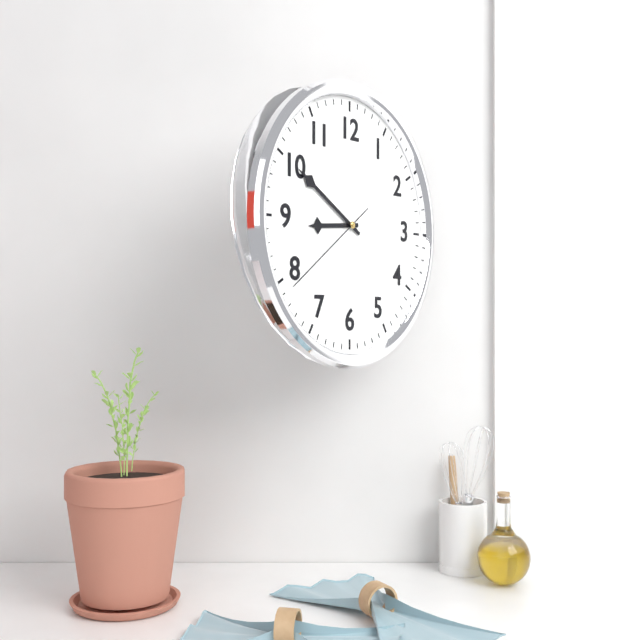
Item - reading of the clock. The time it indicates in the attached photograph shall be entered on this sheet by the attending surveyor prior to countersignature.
8:50:39
